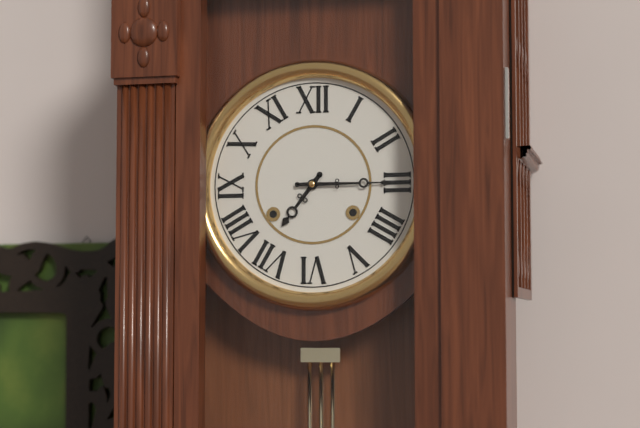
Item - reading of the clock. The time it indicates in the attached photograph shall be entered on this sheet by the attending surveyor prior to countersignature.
7:15
